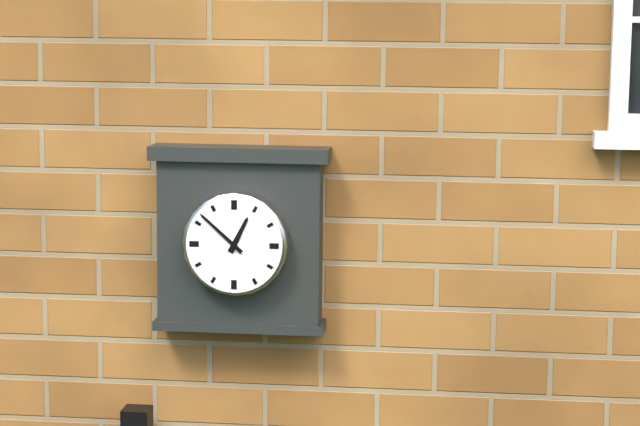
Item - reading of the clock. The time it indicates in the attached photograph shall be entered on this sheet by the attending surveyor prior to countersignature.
12:52
